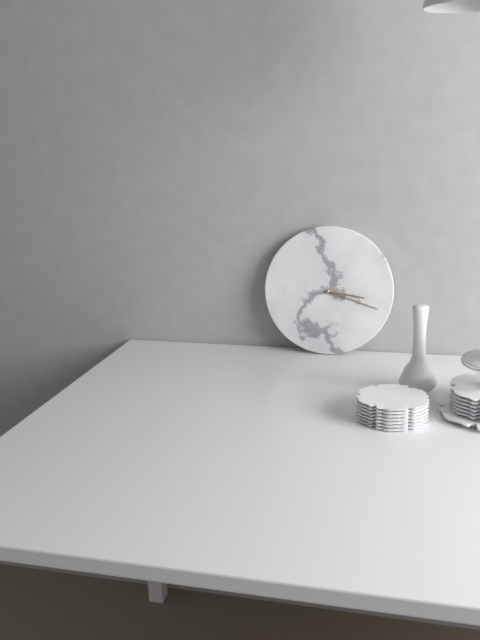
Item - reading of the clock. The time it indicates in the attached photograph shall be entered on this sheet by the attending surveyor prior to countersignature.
3:18
